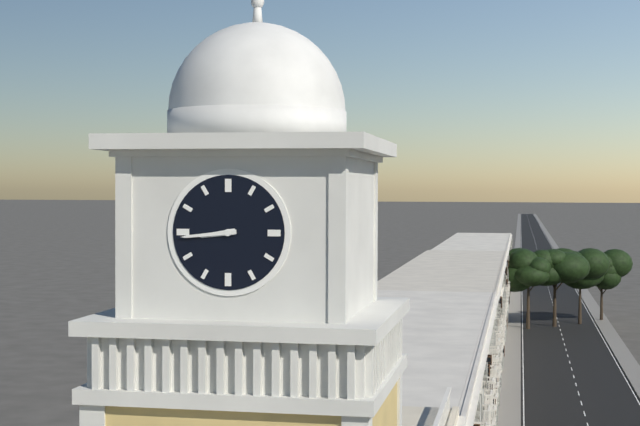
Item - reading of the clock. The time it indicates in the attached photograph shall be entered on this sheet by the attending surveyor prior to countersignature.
8:44
